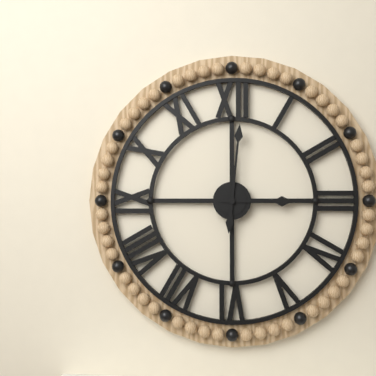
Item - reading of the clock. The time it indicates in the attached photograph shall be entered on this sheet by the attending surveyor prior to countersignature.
3:01
